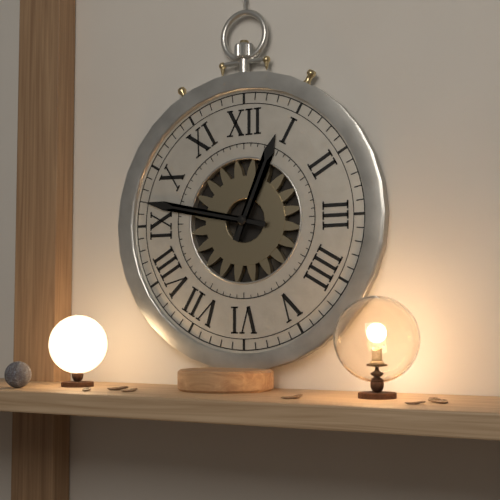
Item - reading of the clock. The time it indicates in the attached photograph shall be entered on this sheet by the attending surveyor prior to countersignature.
12:47
